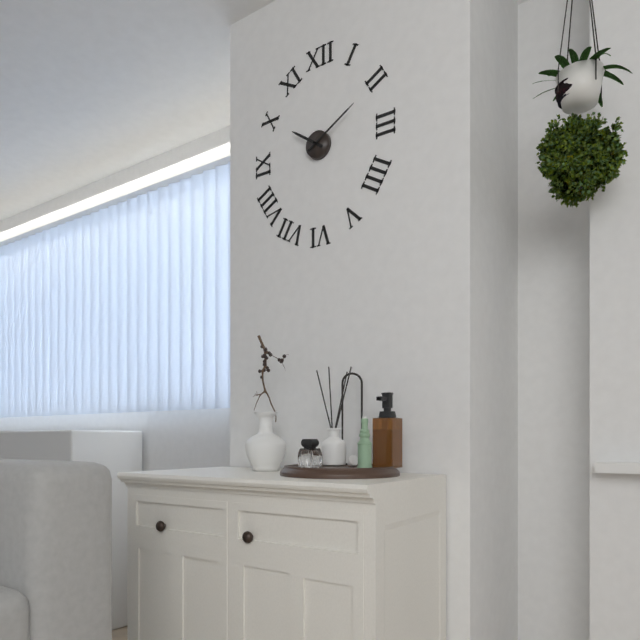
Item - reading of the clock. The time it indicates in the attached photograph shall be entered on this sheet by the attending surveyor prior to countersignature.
10:10
